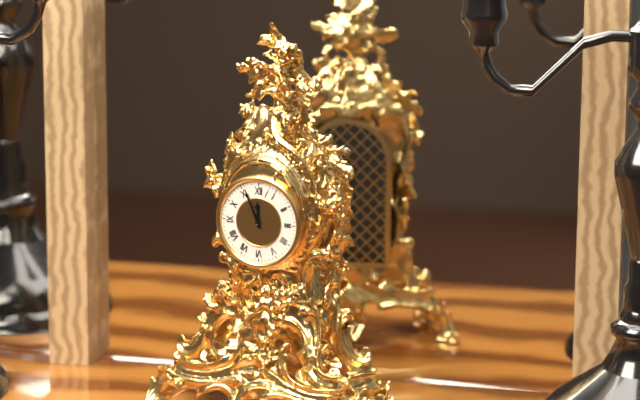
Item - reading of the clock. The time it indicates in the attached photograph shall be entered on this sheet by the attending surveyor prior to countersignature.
11:56
